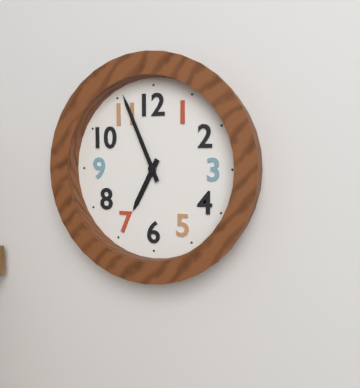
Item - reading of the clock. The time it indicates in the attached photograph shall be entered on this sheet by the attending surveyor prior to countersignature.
6:56
